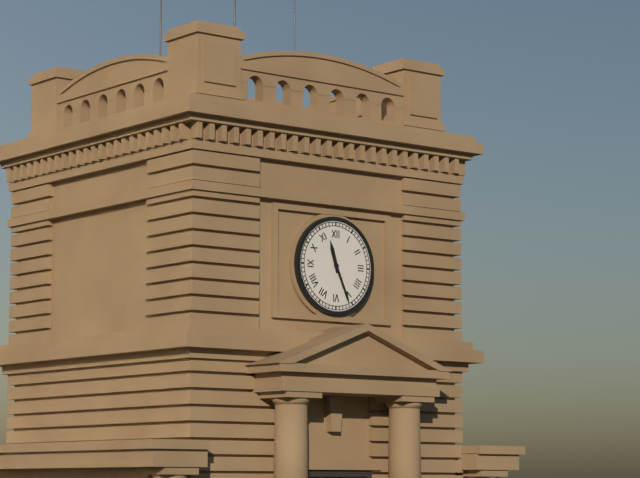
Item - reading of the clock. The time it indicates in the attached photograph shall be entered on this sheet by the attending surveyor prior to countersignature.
11:26
